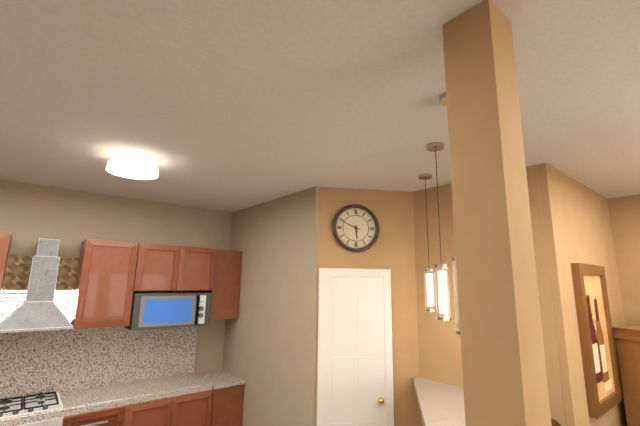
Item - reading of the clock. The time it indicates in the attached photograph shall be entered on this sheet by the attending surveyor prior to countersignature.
5:49
